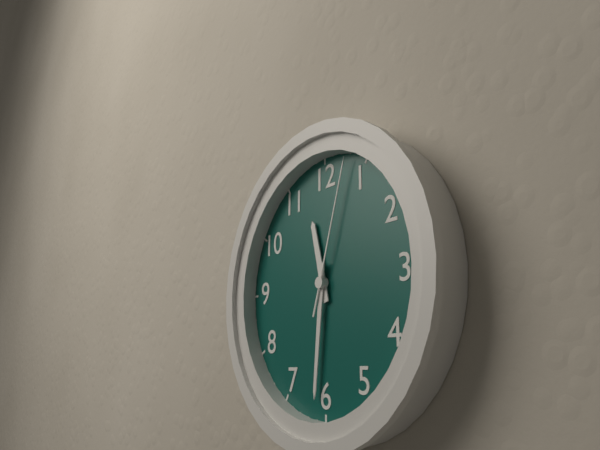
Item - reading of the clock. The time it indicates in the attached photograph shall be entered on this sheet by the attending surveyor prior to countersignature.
11:31:03
